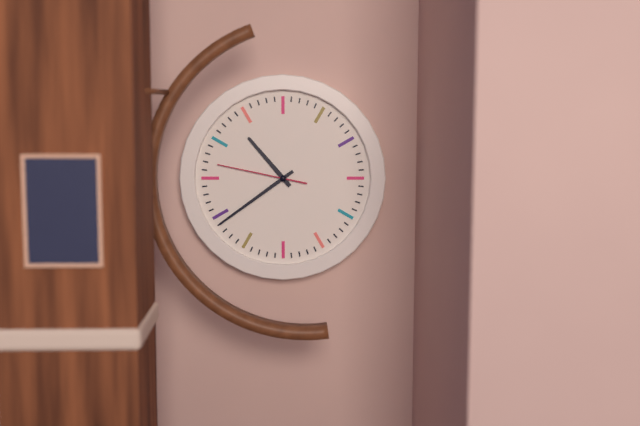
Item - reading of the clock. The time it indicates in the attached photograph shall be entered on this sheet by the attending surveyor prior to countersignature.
10:39:47
